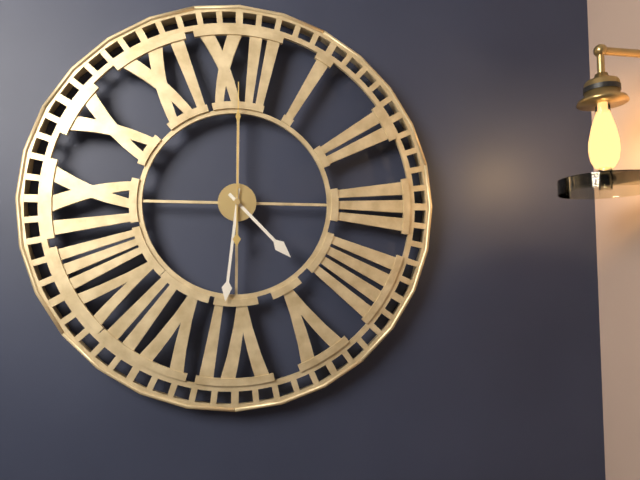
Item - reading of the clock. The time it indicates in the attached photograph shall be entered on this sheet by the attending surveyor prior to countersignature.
4:31:00
